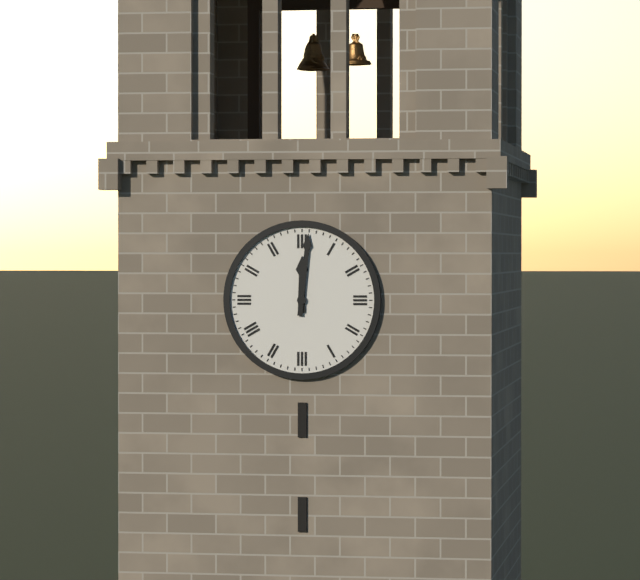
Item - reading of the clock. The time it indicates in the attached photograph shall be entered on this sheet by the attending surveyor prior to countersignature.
12:01
